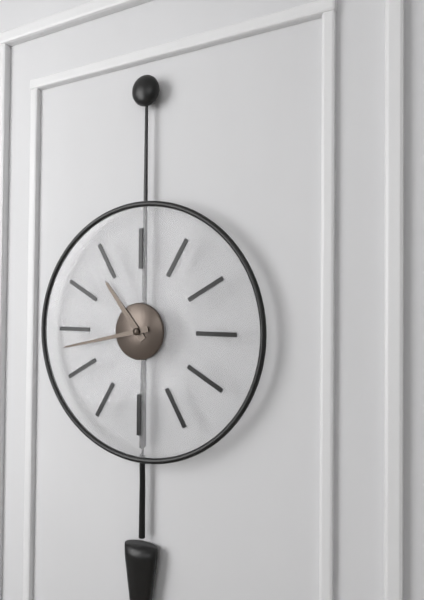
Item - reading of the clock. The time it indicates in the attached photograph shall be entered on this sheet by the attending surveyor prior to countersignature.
10:43
